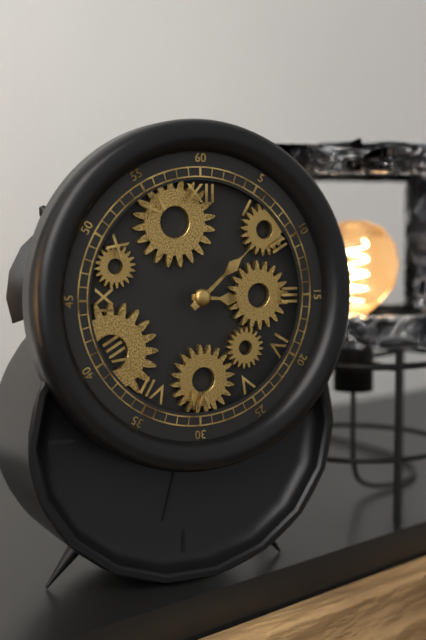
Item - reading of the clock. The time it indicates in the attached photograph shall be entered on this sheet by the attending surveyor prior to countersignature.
3:08
